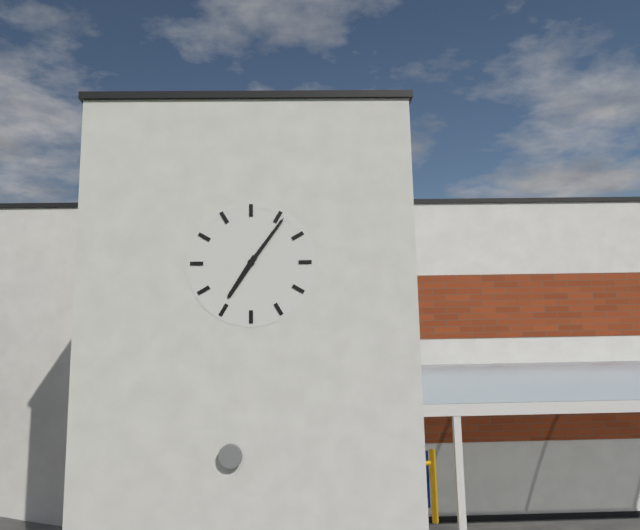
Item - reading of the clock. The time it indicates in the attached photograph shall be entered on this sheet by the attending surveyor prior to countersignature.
7:06
